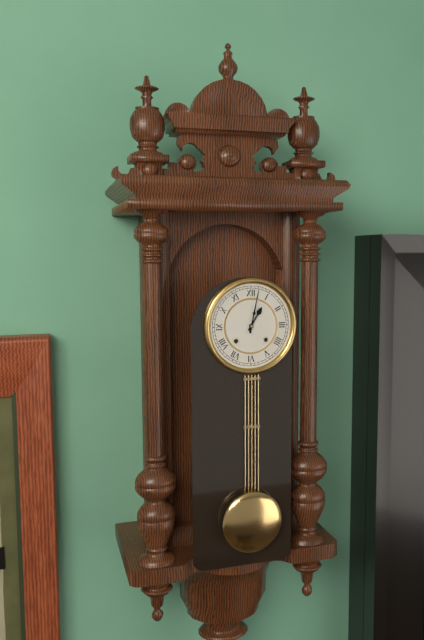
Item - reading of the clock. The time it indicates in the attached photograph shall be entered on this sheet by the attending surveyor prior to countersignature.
1:02
